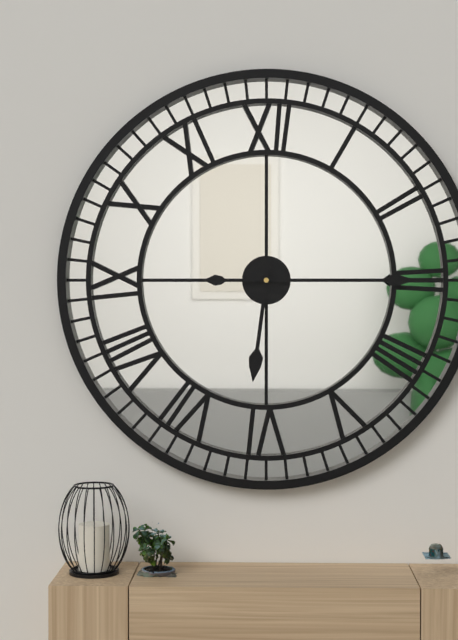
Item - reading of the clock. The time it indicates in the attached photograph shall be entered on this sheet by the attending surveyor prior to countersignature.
6:15
